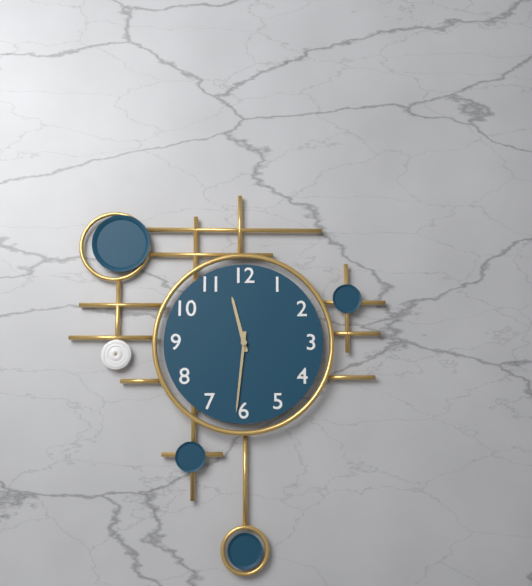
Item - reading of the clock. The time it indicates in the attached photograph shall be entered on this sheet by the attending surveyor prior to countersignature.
11:31
